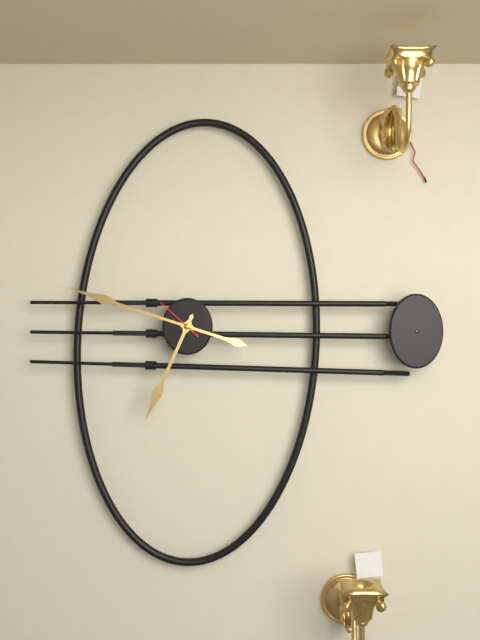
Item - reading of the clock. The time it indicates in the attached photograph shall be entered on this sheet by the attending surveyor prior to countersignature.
6:48
